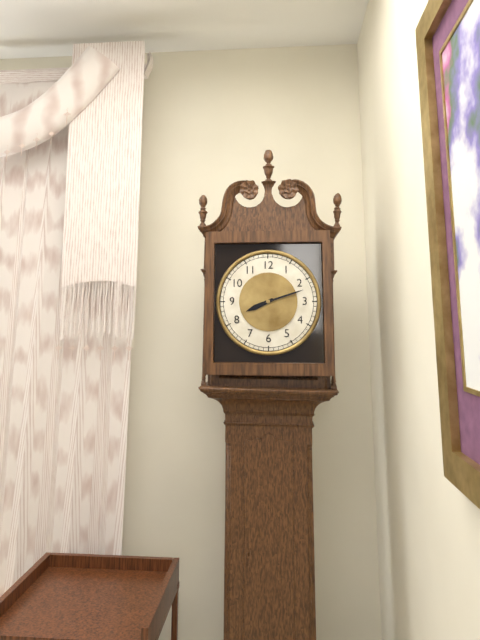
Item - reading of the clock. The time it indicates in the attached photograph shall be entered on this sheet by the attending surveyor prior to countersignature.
8:12
